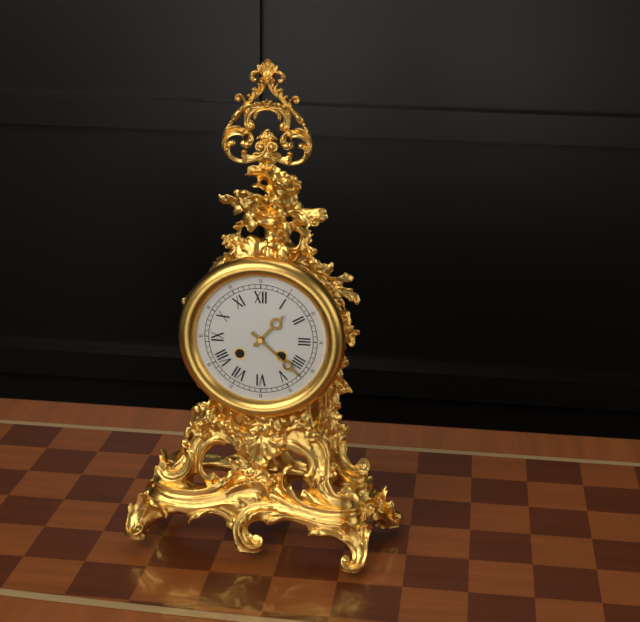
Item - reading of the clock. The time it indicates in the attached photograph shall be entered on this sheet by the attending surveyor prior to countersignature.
1:22
